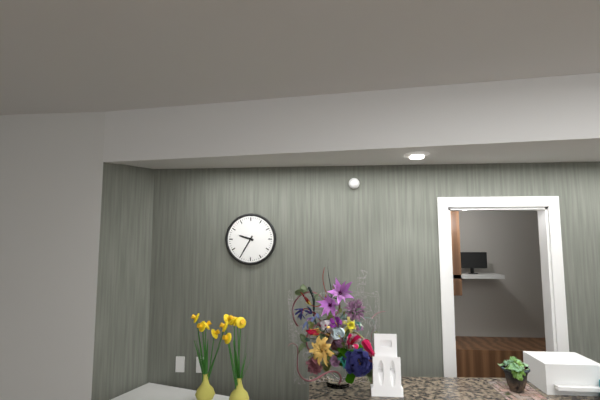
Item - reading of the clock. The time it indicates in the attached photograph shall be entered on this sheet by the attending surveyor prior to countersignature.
9:35
